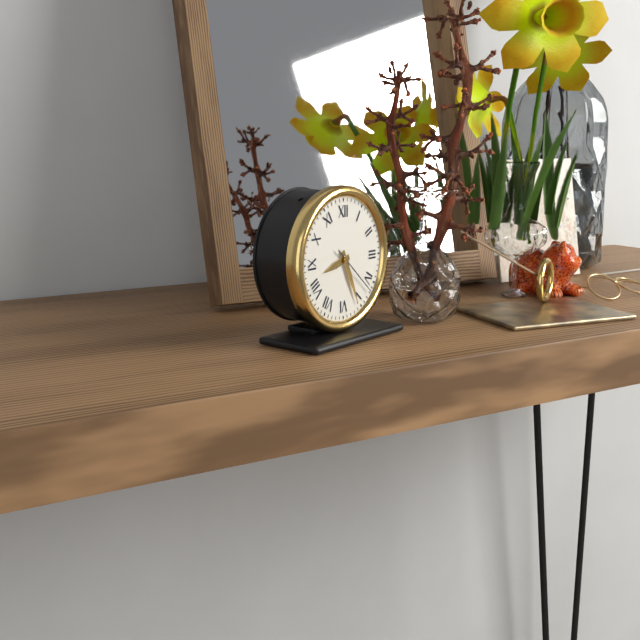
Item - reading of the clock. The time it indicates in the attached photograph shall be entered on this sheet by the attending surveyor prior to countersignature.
8:26:22
